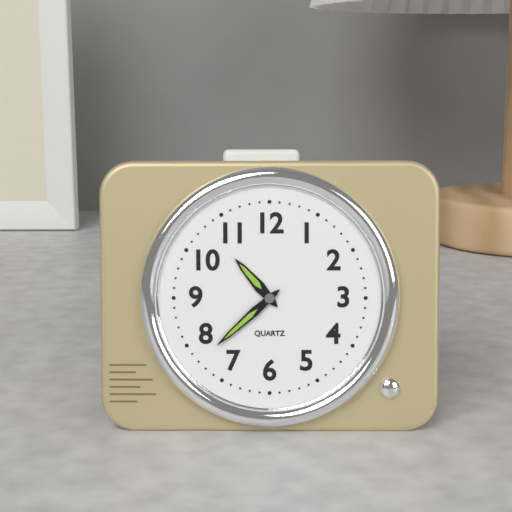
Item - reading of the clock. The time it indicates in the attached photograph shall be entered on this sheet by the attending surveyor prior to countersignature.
10:38
